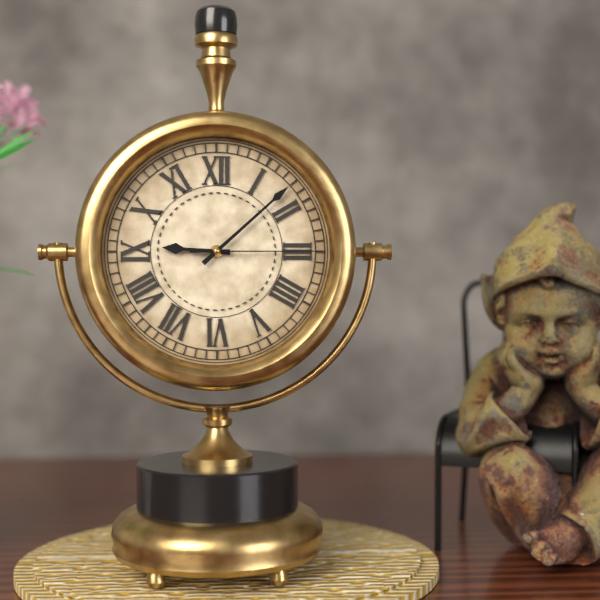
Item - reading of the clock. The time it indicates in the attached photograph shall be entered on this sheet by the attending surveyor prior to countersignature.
9:08:15
